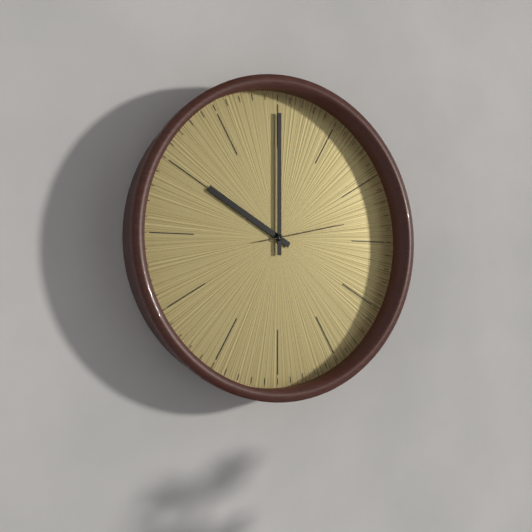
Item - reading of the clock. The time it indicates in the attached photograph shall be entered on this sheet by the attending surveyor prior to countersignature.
10:00:13
